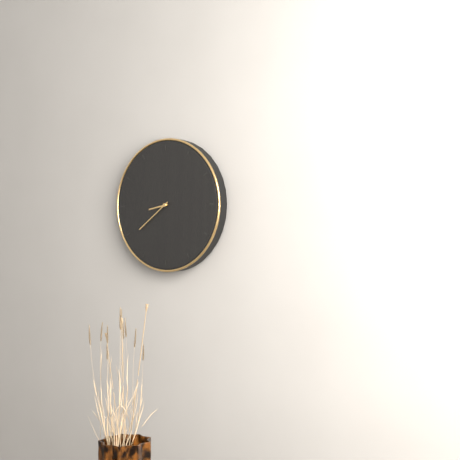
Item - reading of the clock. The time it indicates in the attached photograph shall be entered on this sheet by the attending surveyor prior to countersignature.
8:39
